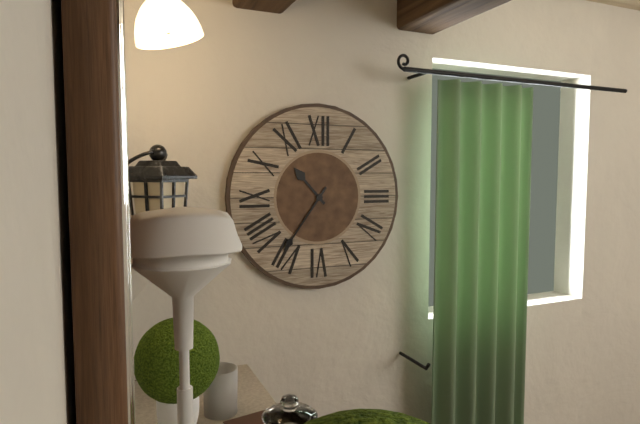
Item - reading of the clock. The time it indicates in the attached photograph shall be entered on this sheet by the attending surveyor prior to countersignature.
10:36
